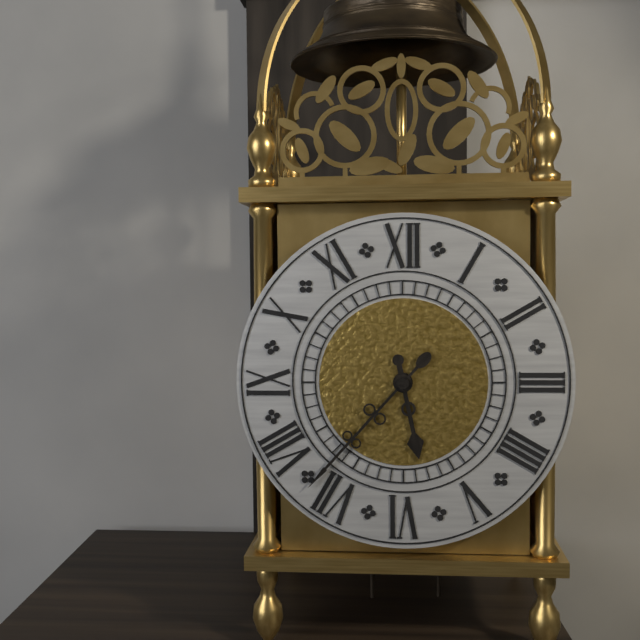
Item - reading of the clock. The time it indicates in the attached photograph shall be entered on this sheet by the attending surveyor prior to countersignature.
5:37
